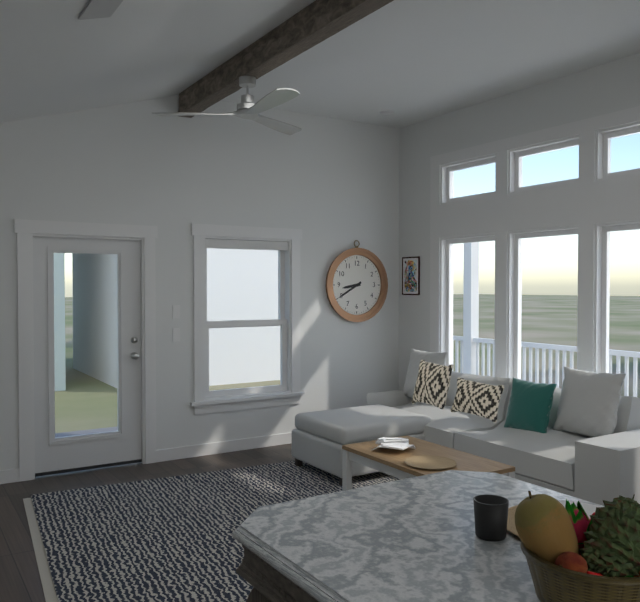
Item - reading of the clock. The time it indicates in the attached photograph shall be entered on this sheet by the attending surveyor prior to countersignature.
8:40
